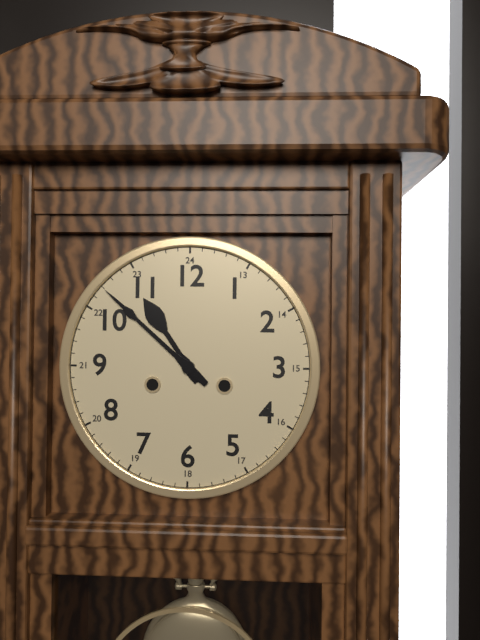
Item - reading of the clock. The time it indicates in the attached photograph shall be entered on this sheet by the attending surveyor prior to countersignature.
10:52
